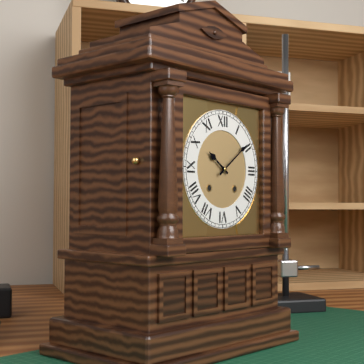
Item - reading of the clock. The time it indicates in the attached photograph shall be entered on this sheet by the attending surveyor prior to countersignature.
10:09
